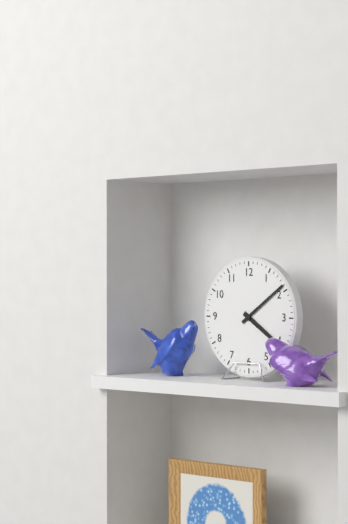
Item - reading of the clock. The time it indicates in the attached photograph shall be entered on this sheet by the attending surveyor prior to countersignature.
4:09
